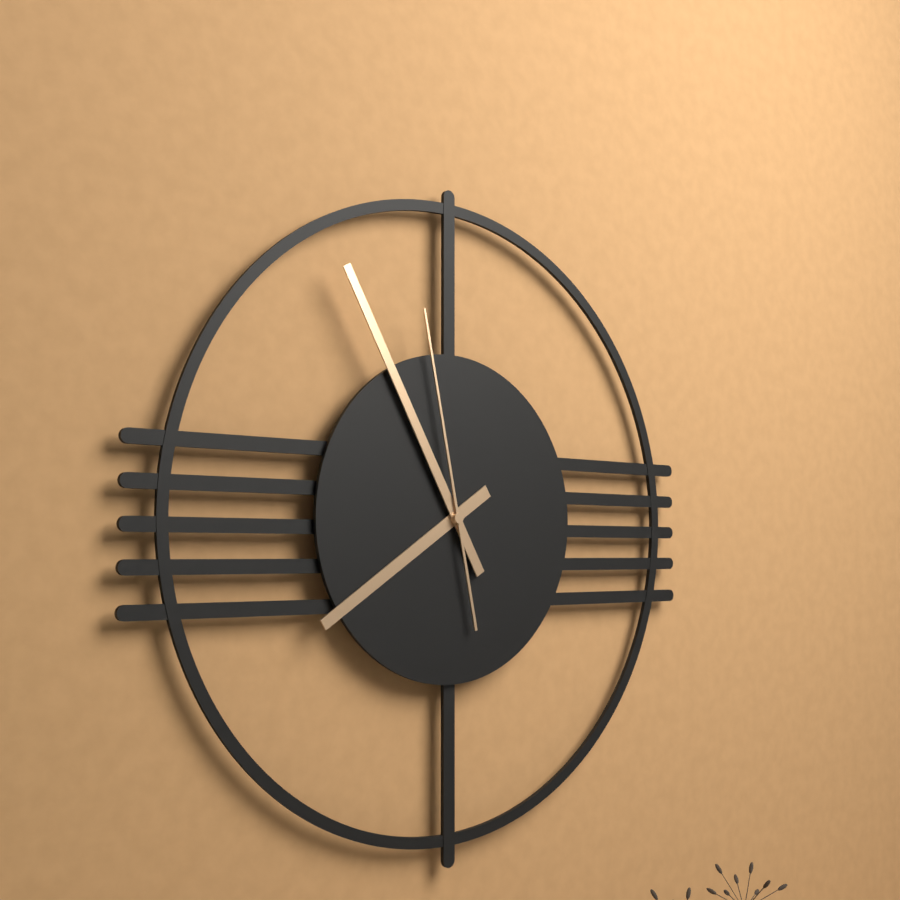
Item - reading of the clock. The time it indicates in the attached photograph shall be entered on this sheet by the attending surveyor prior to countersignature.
7:55:58
